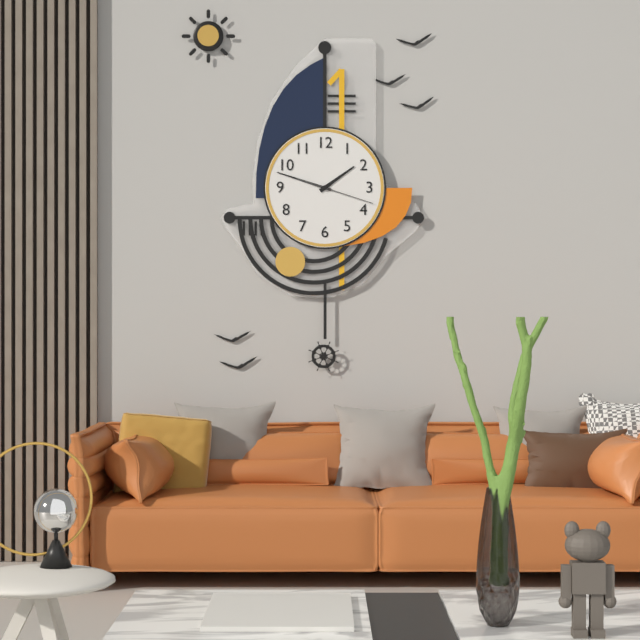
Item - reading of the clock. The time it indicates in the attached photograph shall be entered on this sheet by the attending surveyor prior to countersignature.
1:48:18
